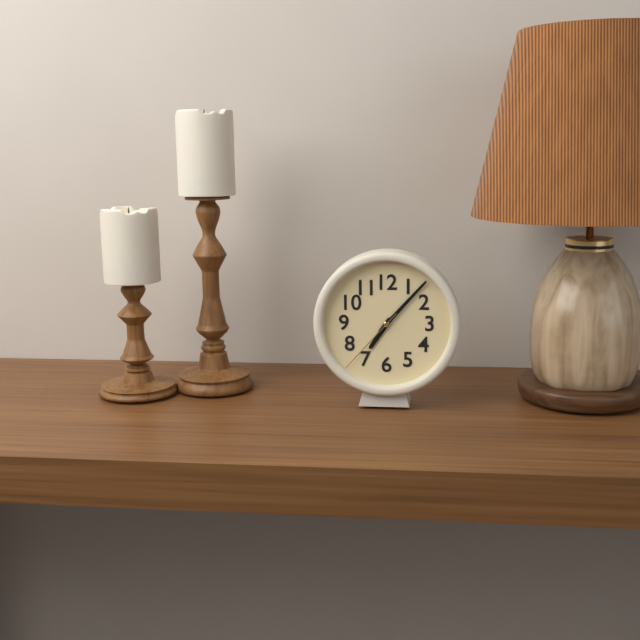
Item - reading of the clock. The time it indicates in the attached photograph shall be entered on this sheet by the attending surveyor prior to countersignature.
7:07:37
